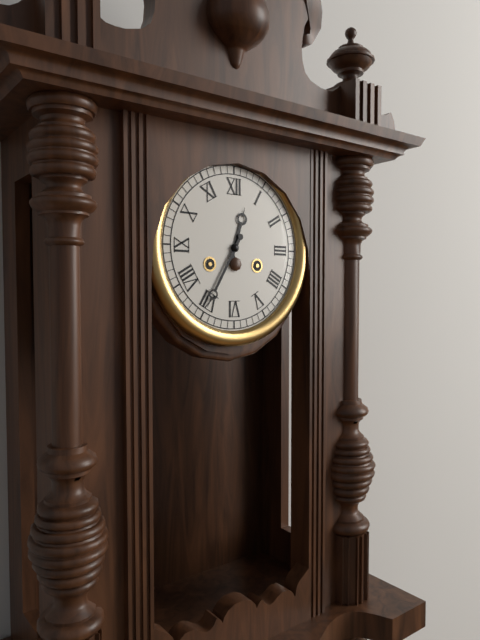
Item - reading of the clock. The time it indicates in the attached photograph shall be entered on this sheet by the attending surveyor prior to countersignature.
12:35
